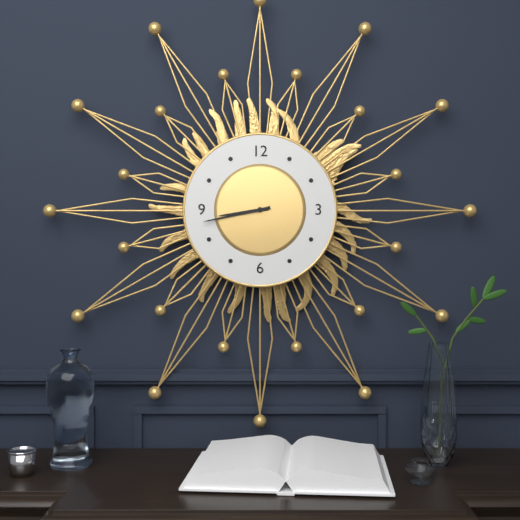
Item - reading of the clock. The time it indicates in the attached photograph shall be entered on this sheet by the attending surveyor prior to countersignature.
8:43
